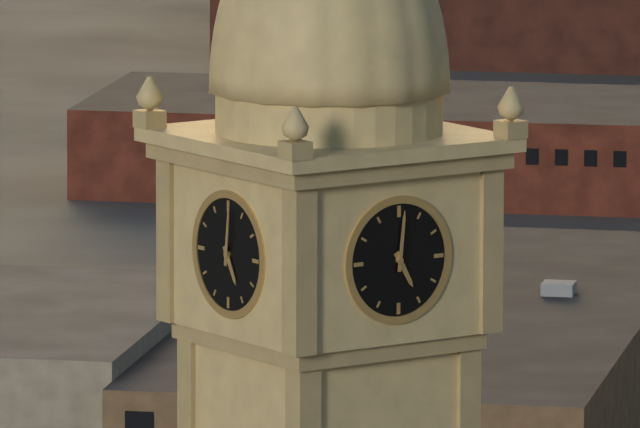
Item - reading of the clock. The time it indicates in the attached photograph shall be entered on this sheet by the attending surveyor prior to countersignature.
5:01
